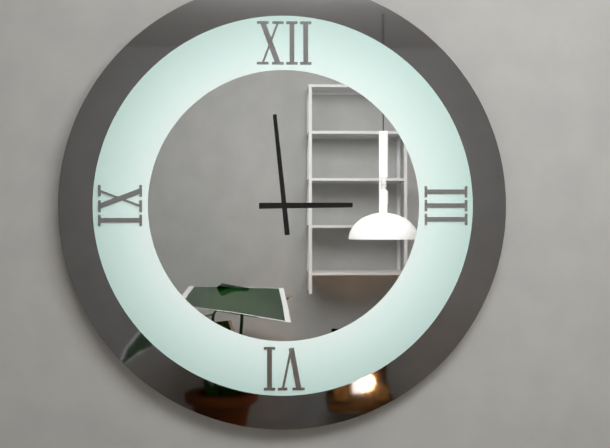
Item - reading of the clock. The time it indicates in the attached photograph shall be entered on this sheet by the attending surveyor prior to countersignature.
2:59
